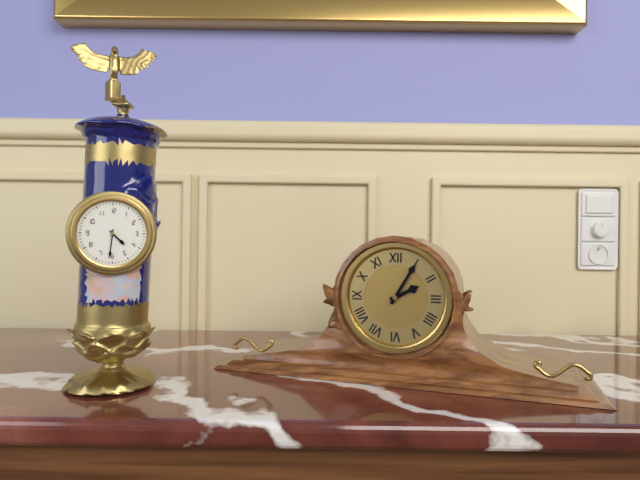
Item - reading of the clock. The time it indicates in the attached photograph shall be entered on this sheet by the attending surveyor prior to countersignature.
4:31
